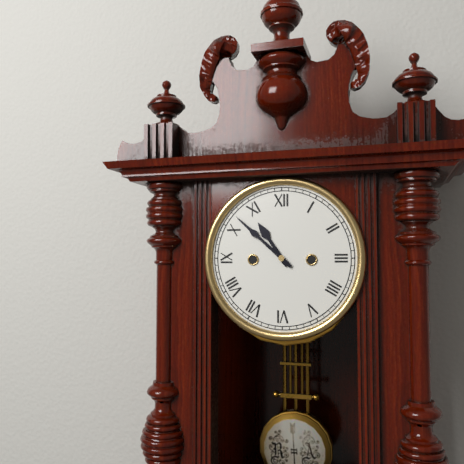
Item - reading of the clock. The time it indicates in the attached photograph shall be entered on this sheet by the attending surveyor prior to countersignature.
10:52
